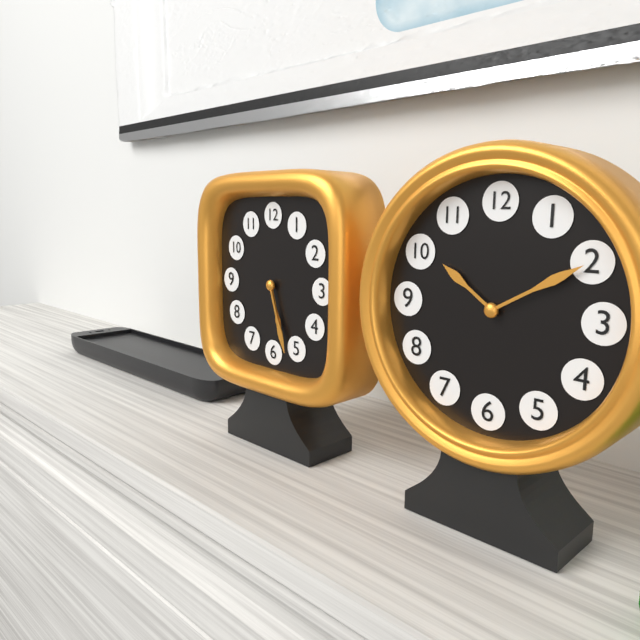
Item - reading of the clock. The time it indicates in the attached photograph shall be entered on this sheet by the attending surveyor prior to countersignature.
5:27
